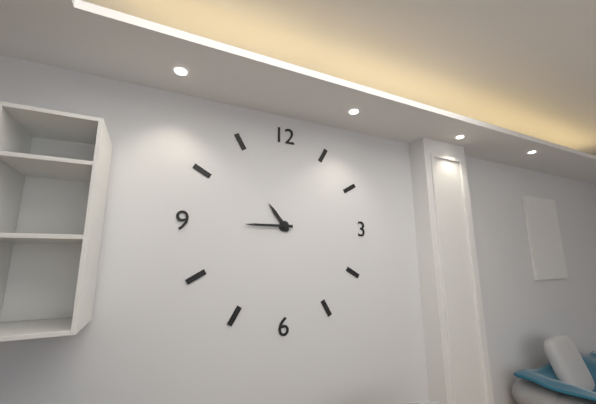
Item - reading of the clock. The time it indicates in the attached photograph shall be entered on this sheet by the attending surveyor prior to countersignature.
10:45
